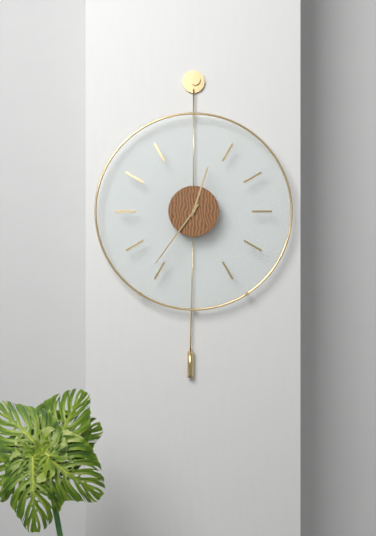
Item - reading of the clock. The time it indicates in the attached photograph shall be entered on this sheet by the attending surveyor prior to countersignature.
12:36
